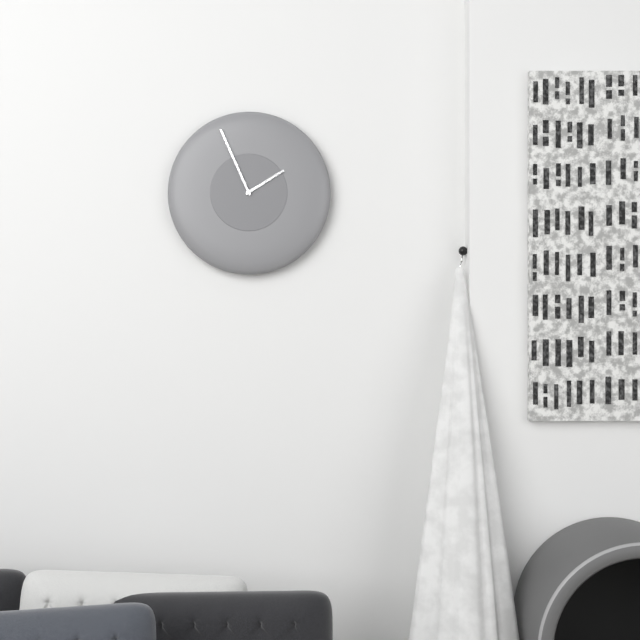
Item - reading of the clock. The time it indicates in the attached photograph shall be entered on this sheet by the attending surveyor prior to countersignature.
1:56
